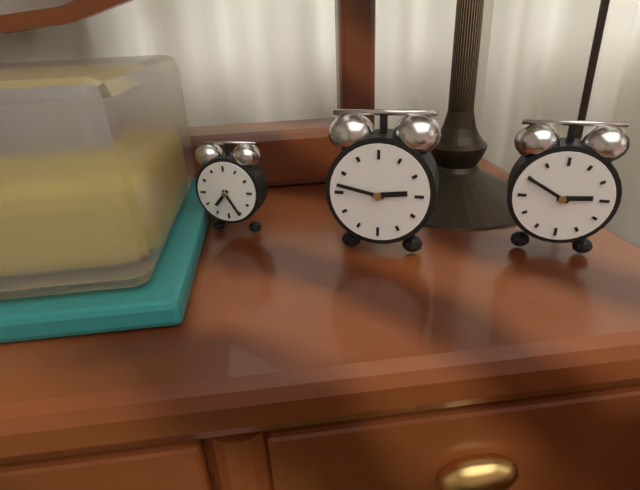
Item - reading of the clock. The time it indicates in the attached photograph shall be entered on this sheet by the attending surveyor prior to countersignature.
2:47
